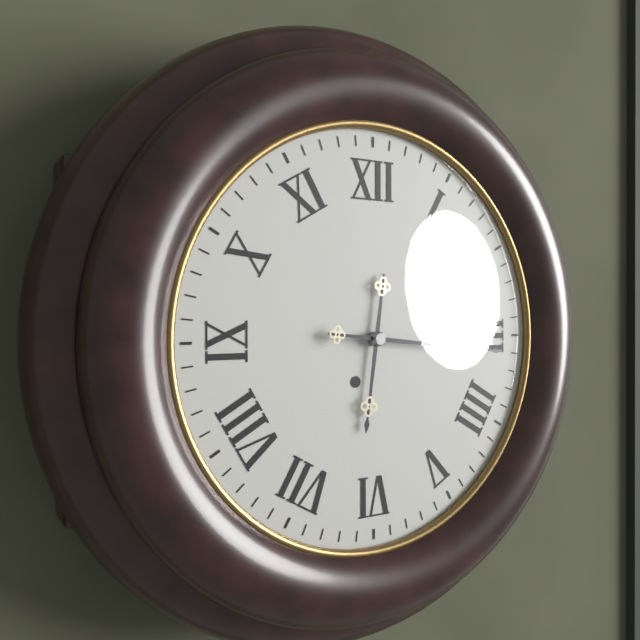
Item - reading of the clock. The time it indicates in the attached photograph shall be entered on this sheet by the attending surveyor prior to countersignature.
6:16
